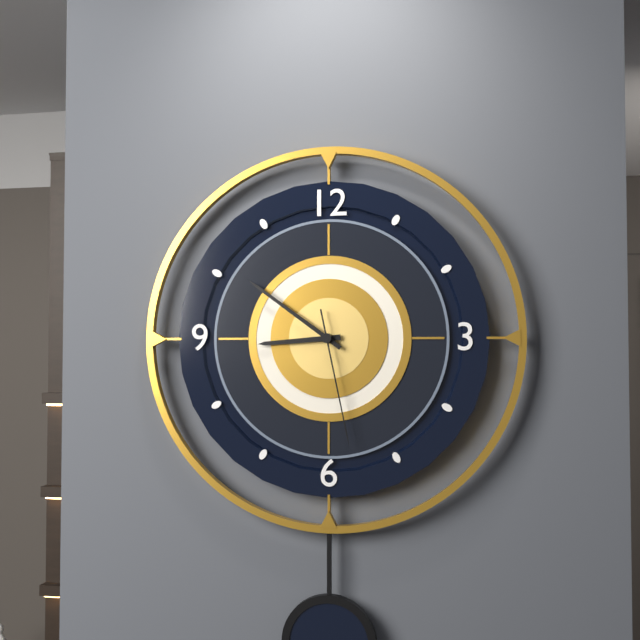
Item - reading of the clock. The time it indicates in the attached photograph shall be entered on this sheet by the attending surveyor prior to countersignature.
8:51:28
